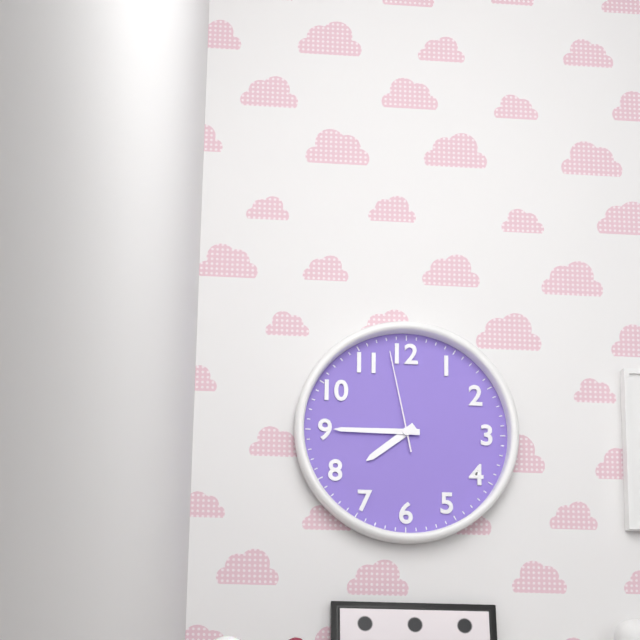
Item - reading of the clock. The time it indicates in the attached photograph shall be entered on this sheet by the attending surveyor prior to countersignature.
7:45:58
